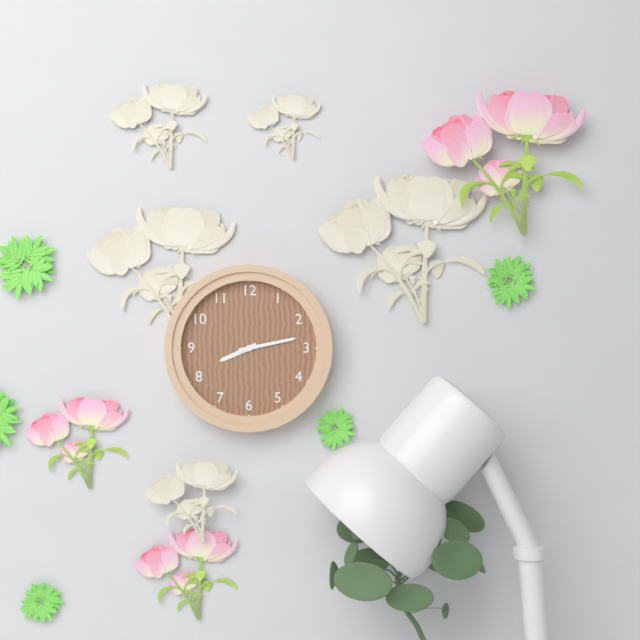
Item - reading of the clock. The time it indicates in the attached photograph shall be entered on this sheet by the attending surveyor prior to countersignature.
8:13
